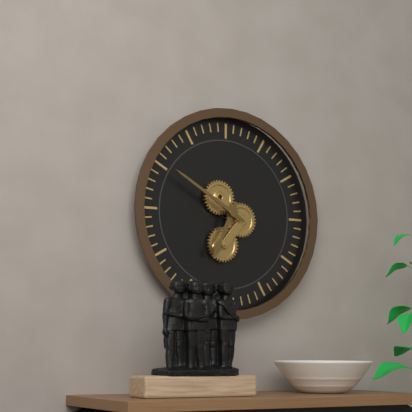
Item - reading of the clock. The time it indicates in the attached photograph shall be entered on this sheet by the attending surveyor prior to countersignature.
6:50
